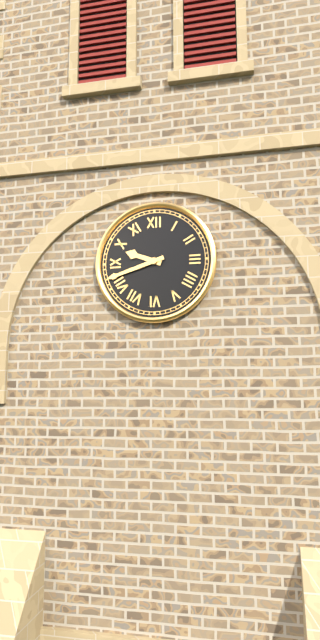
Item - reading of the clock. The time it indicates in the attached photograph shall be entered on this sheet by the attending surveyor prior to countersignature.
9:42
